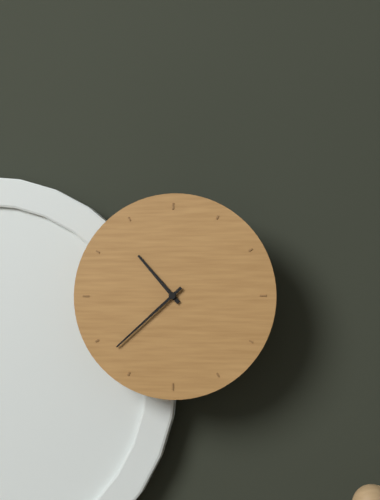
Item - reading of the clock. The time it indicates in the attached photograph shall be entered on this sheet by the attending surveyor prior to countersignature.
10:38
